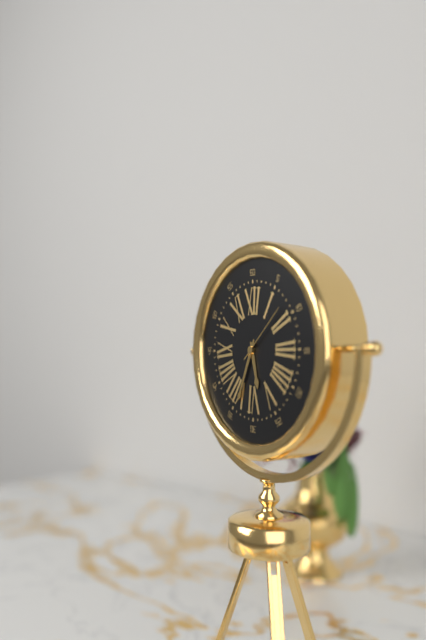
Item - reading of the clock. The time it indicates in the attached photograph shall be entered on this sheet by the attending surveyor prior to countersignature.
5:34:08
